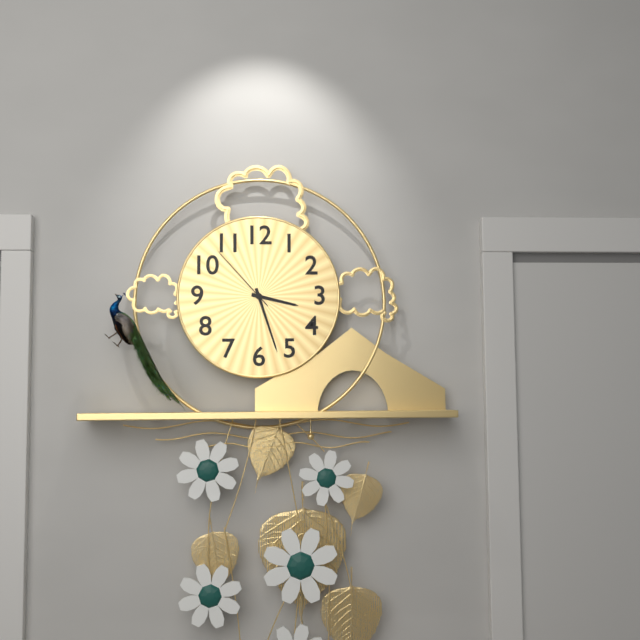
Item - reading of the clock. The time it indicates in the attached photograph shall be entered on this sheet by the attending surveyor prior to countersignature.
3:27:53
